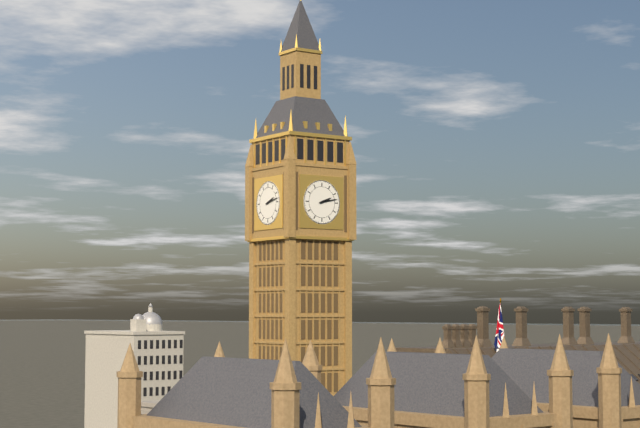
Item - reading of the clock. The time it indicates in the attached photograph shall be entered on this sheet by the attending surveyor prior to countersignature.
2:13
